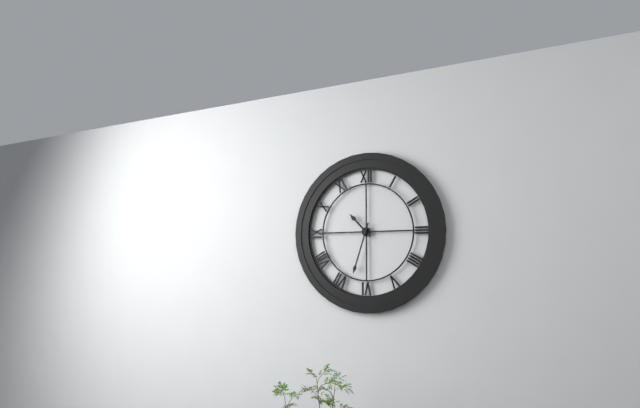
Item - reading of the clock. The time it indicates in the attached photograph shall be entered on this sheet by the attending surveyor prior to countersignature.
10:33
